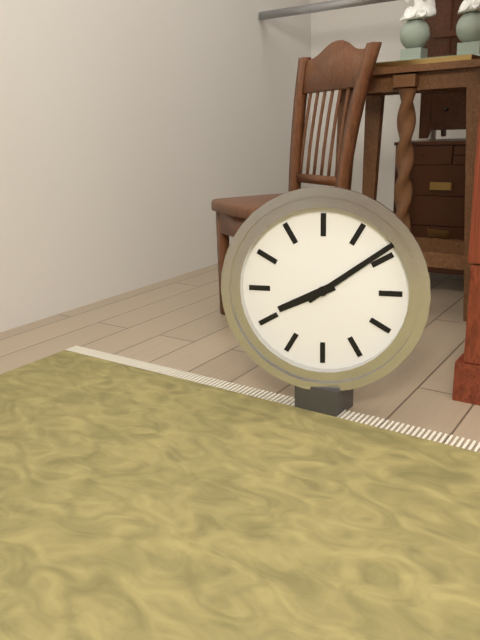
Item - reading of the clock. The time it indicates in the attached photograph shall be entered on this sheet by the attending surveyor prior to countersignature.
8:09
